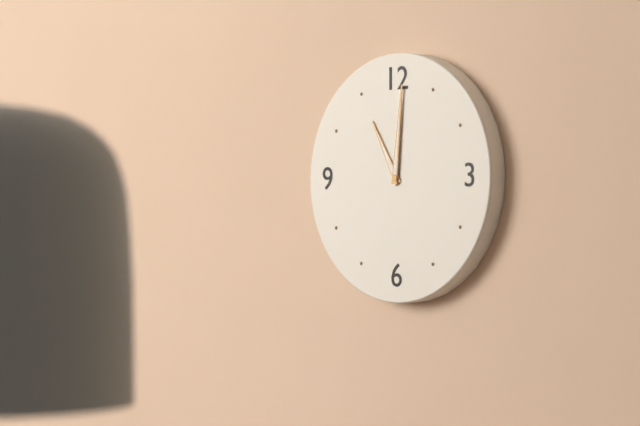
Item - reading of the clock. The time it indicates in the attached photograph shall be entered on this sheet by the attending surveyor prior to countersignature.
11:01
